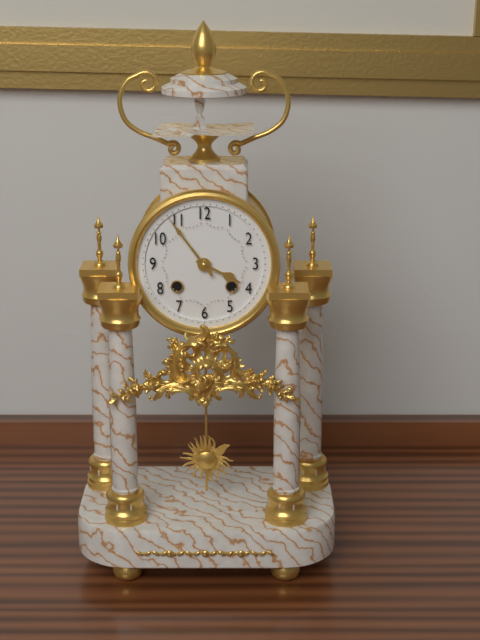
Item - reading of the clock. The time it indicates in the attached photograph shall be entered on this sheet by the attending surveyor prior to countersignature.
3:54
